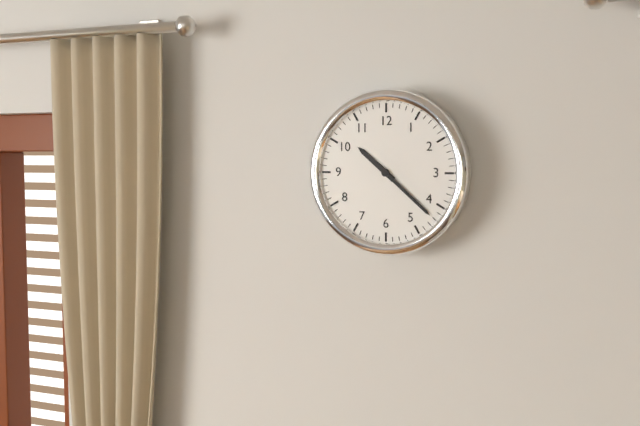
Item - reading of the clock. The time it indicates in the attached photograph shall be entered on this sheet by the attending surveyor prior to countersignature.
10:22
